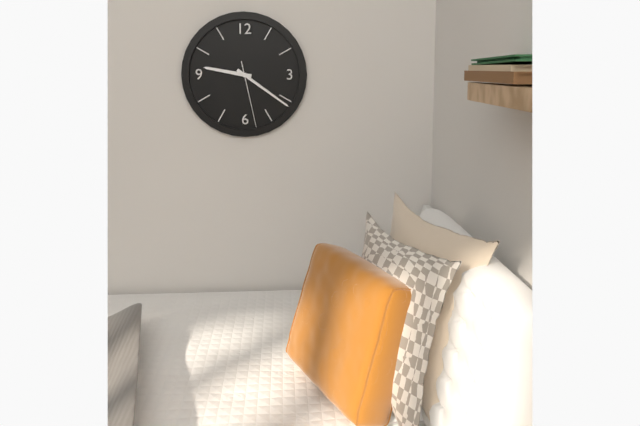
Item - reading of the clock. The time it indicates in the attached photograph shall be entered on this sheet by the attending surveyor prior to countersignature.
9:21:28
